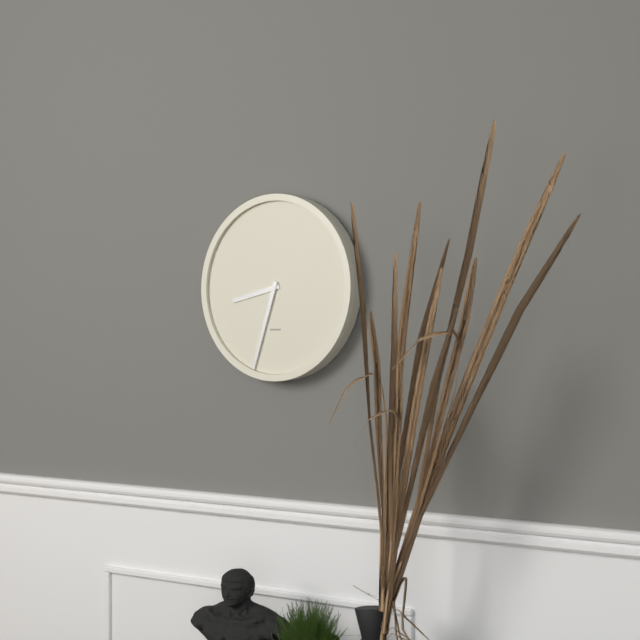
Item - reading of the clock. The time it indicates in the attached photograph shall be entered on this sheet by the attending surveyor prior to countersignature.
8:33
